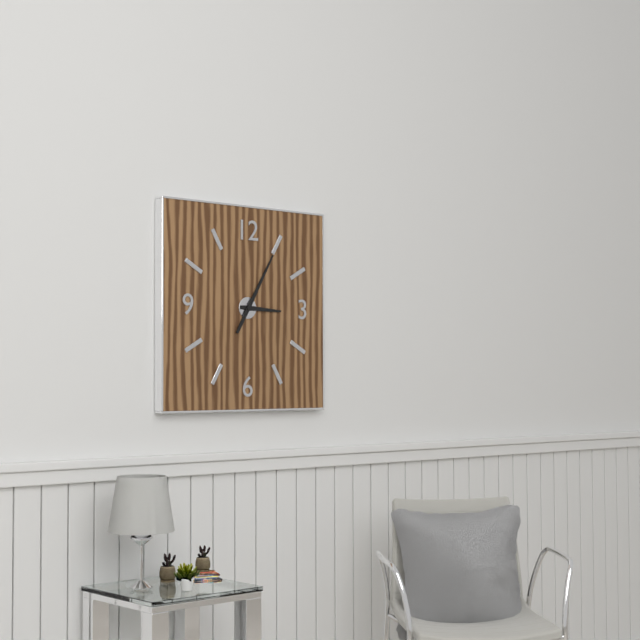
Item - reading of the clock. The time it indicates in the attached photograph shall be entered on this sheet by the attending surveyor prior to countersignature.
3:05
